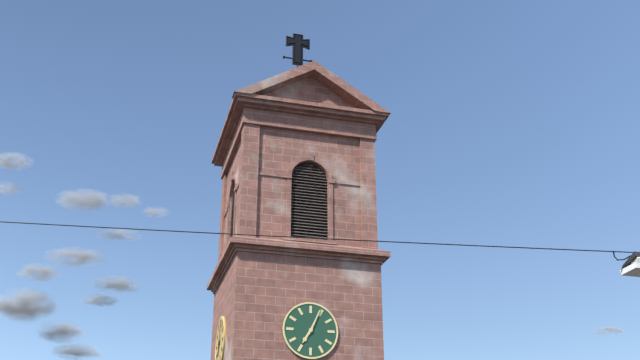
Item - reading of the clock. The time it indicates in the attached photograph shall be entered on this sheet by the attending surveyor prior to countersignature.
7:04
